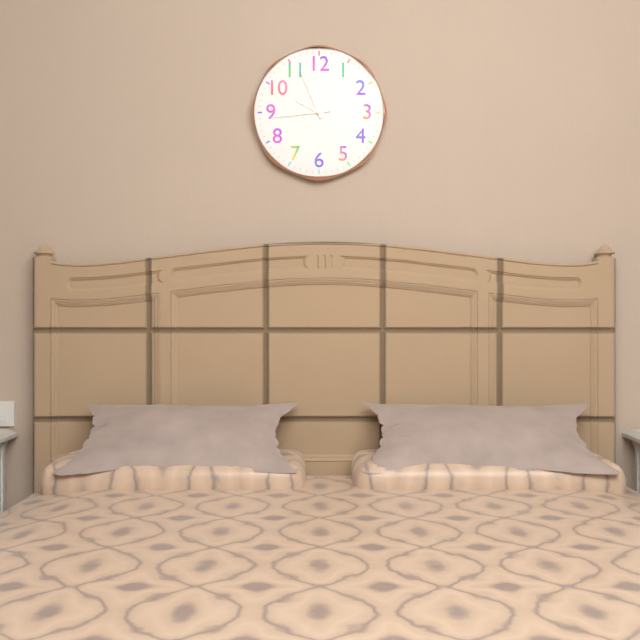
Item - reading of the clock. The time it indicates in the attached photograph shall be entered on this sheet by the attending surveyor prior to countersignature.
9:56:44
